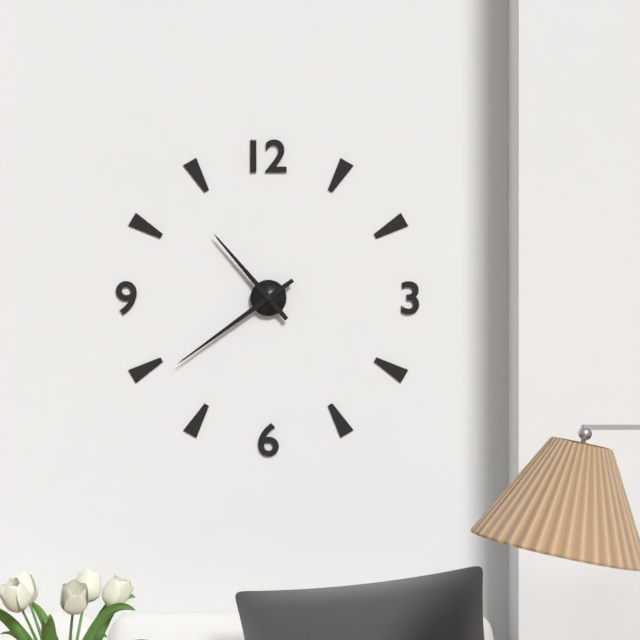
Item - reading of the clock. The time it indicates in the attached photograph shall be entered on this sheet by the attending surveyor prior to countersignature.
10:39
